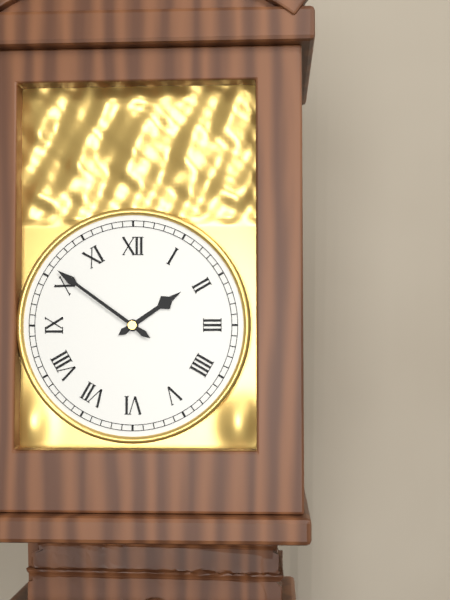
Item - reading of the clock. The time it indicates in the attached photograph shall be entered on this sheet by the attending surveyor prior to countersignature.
1:51
